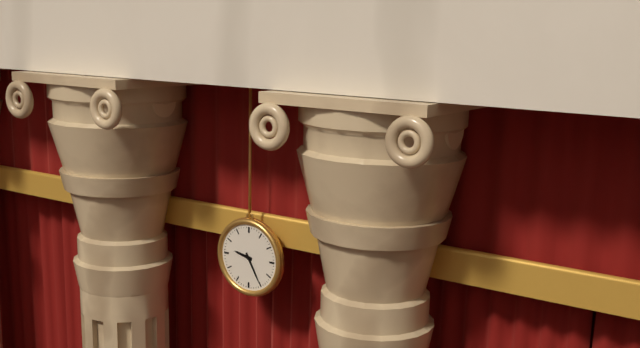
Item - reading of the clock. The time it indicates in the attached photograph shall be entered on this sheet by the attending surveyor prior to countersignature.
9:25
